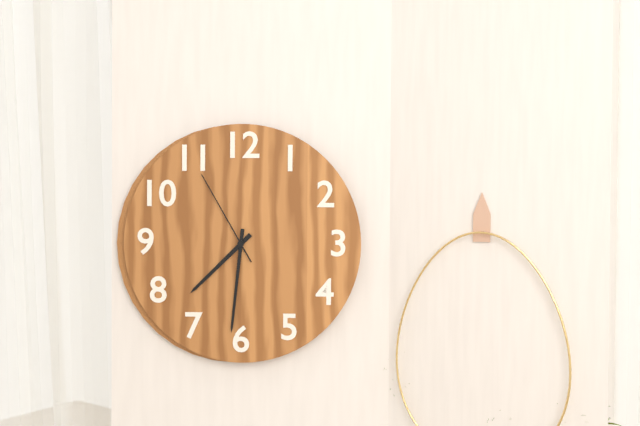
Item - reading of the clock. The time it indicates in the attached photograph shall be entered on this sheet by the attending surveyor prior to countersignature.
7:31:55
